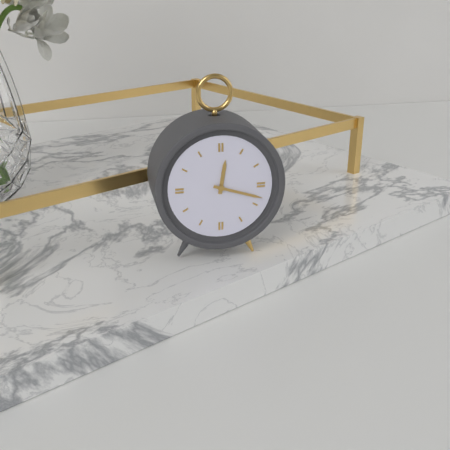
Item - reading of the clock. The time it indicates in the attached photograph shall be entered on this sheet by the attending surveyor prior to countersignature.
12:18
